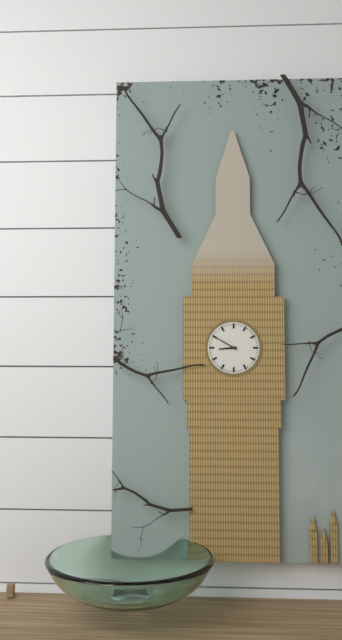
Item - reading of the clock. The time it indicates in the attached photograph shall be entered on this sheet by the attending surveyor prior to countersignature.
8:50
